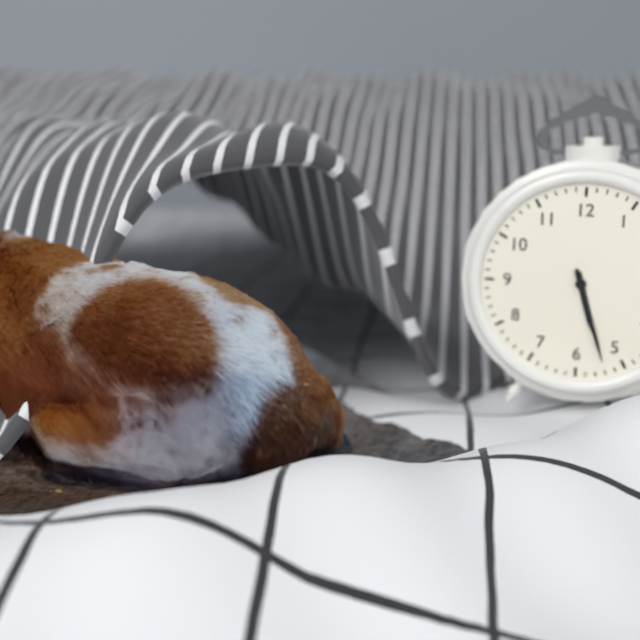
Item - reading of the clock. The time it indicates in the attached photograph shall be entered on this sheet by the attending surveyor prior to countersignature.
5:27
